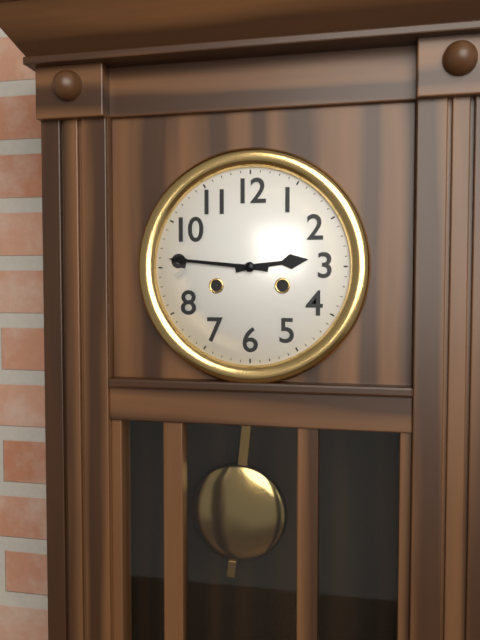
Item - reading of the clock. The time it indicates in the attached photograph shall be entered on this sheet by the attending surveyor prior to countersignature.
2:46
